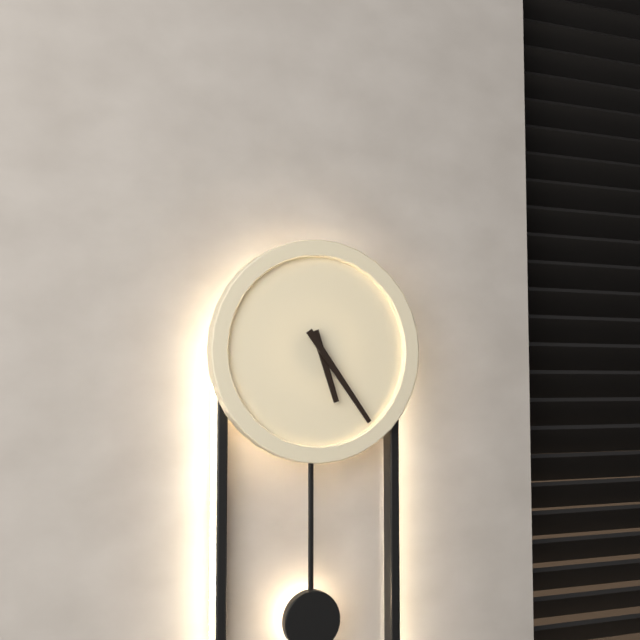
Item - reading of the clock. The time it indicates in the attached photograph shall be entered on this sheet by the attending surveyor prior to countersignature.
5:24
